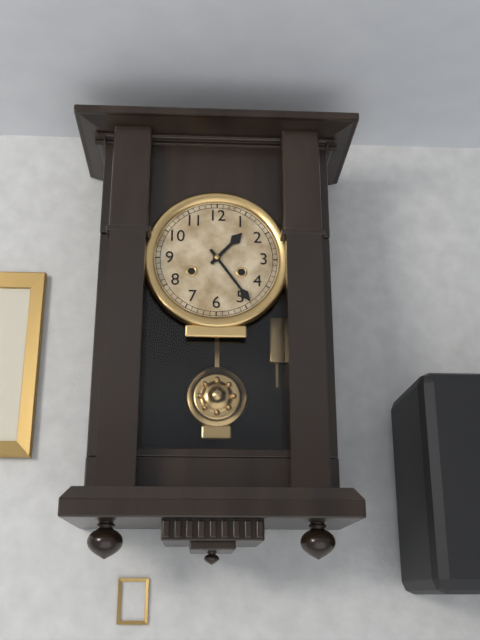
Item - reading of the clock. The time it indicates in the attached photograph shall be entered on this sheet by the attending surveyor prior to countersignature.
1:24
